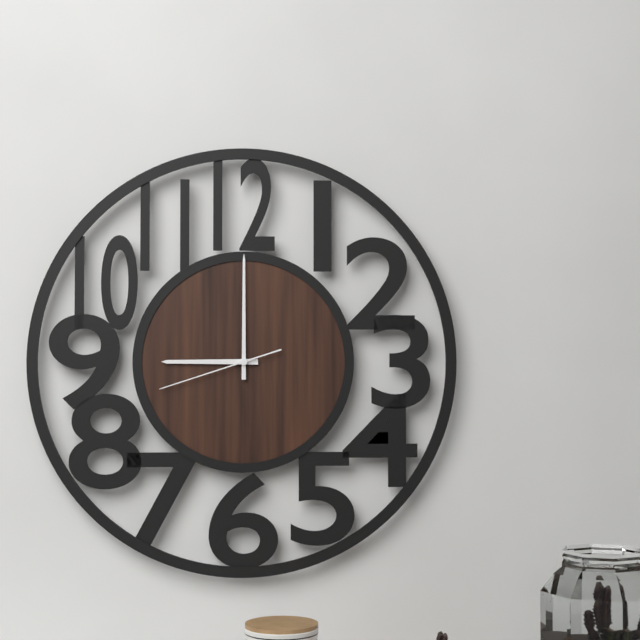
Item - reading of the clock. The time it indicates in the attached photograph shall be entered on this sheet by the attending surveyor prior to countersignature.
9:00:42
